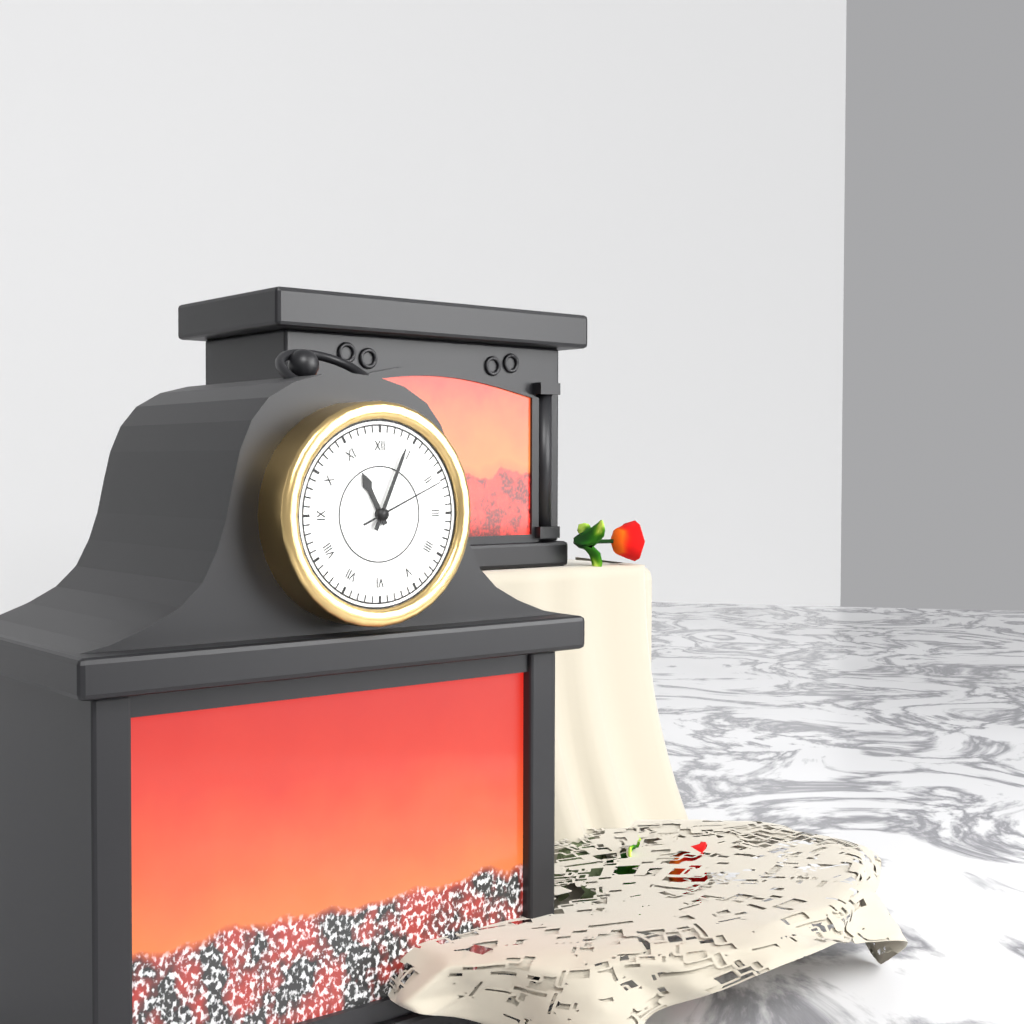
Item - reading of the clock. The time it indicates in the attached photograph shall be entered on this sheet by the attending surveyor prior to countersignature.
11:04:11
